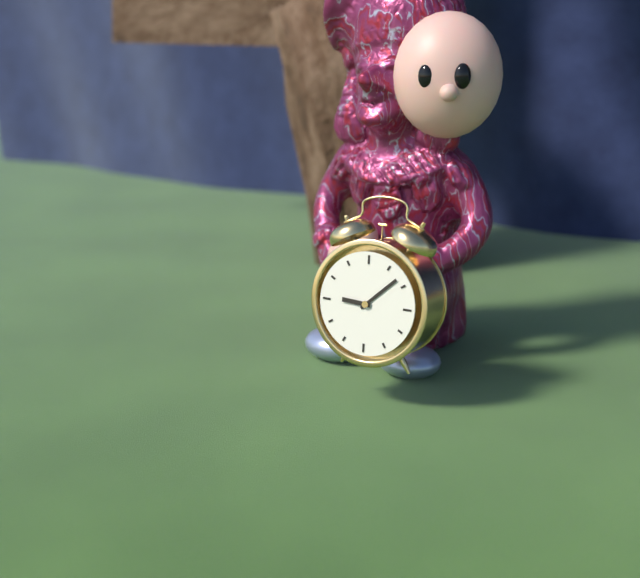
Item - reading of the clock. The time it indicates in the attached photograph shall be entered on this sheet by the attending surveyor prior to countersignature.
9:08
